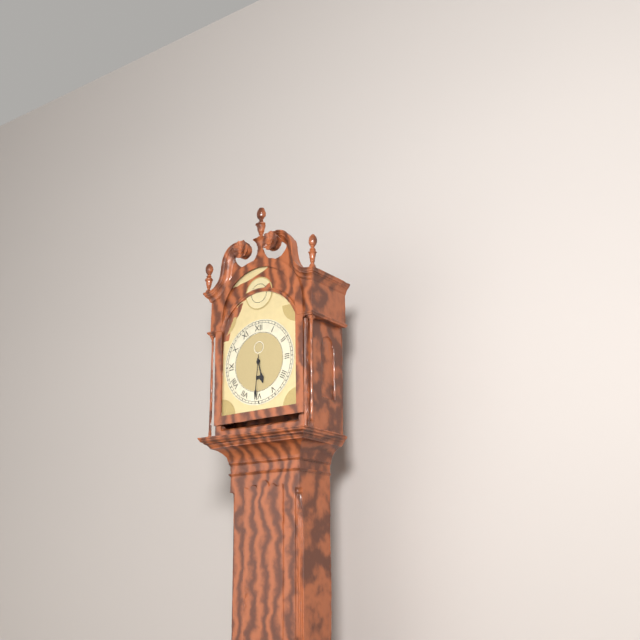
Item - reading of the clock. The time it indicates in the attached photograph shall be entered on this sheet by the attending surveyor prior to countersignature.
5:31
